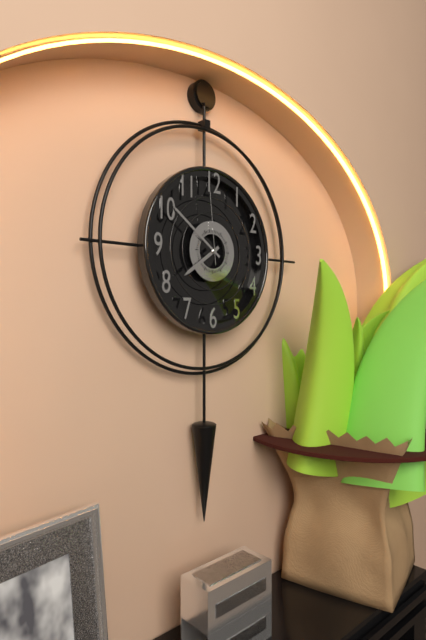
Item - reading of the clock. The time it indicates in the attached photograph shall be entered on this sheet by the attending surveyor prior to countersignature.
7:51:59
